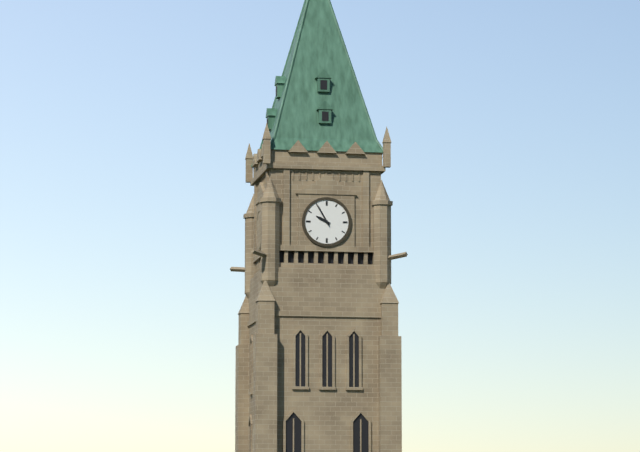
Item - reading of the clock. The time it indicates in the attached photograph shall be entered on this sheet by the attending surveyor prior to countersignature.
9:55
